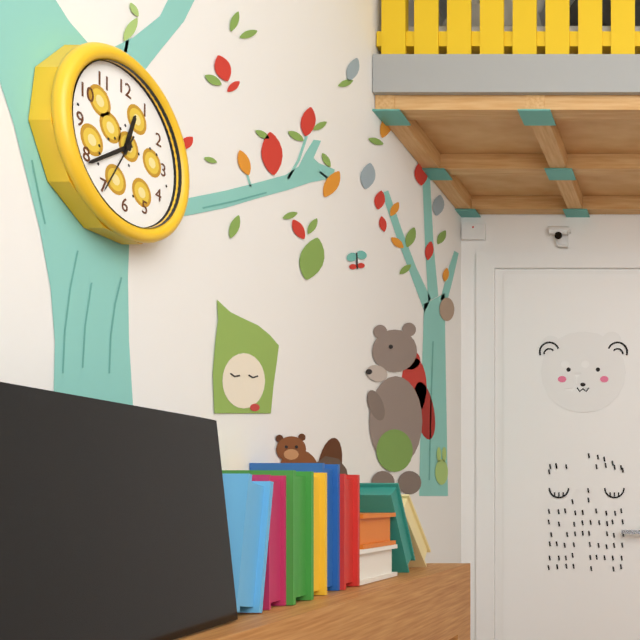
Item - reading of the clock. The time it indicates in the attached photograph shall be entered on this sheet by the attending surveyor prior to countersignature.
12:39:35
